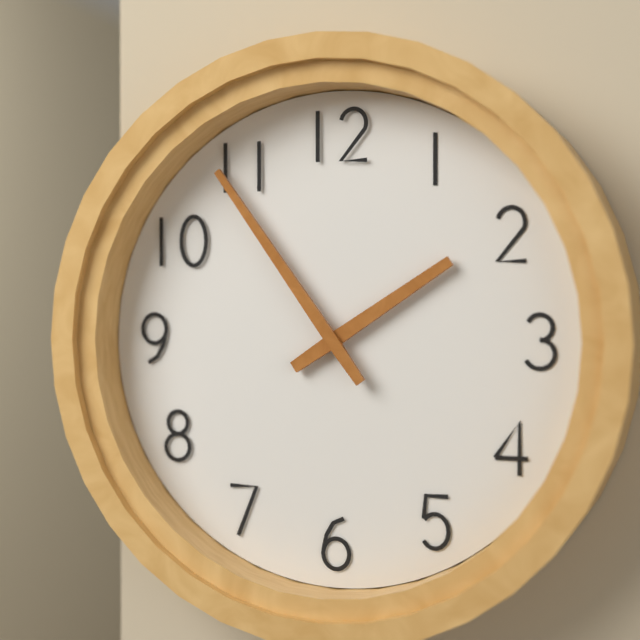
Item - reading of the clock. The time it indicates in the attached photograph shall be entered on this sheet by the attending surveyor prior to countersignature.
1:54
